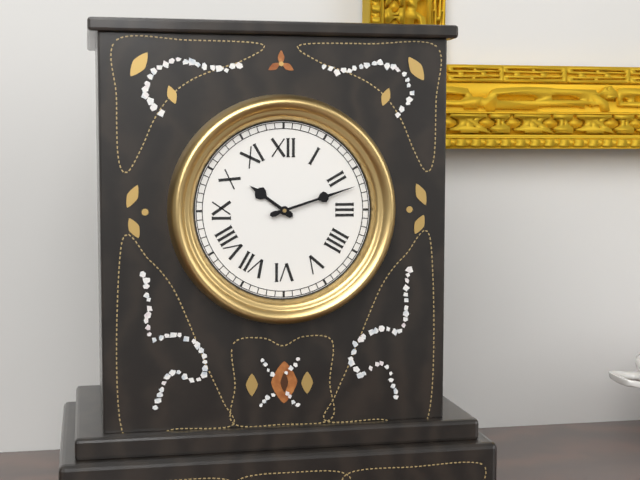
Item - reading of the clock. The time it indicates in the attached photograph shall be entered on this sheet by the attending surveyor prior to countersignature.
10:12
